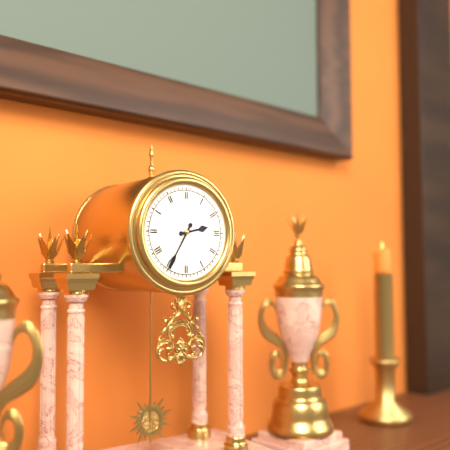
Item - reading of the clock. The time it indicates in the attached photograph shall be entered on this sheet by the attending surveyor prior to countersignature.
2:35
